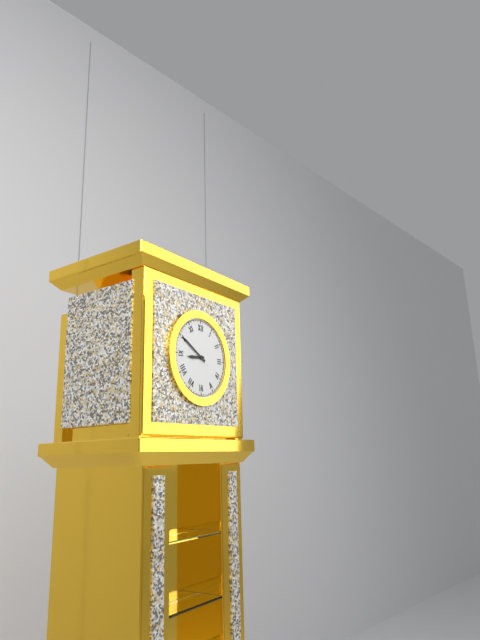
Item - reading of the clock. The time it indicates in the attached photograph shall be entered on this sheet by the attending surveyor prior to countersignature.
8:50
